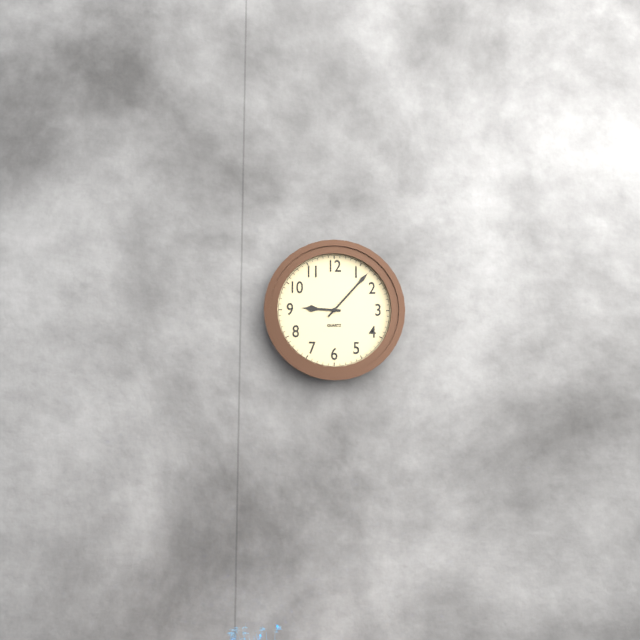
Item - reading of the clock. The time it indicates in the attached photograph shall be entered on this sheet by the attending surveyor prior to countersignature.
9:07
